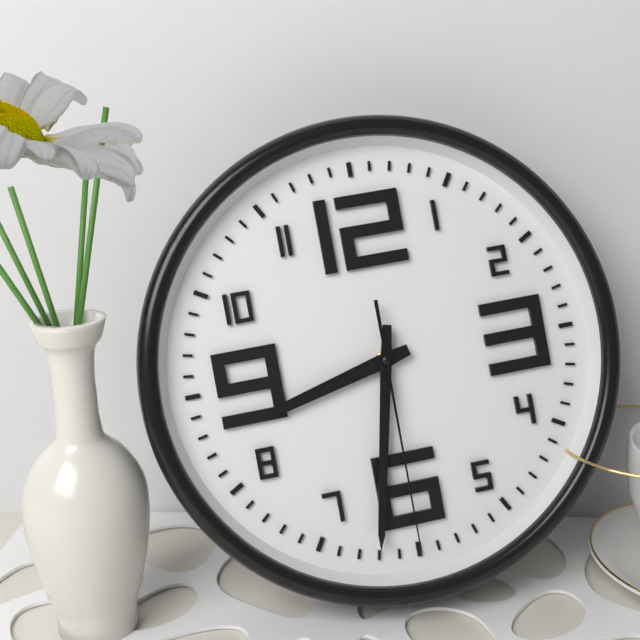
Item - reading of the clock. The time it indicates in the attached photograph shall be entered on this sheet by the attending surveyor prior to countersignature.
8:32:30
